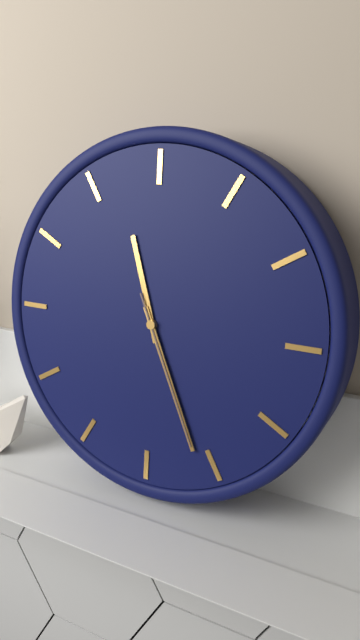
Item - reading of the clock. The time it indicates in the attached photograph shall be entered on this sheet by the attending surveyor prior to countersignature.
11:26:26
